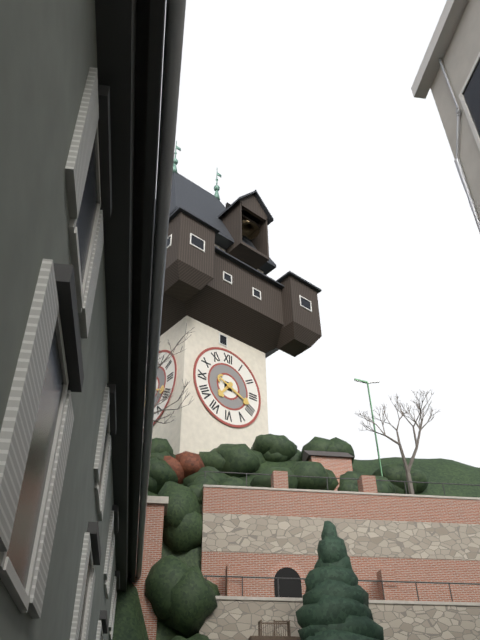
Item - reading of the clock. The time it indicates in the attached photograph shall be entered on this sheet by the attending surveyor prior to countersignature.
7:19
